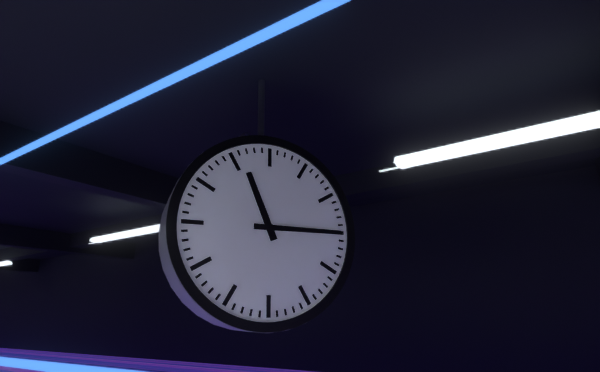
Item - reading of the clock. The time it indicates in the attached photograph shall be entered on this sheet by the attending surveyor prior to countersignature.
11:15
